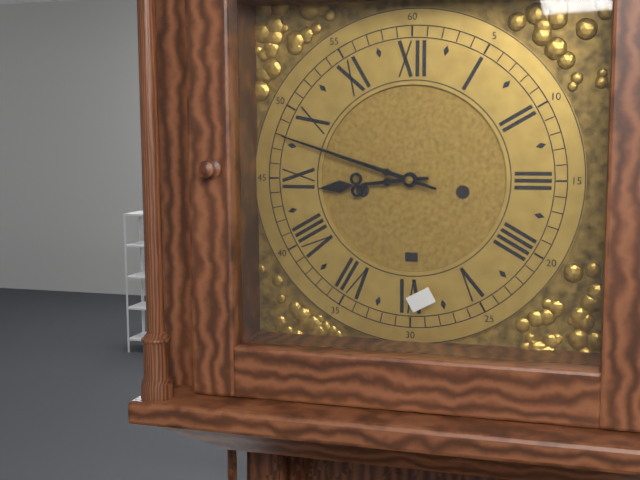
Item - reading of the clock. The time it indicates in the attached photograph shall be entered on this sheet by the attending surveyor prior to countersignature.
8:48
